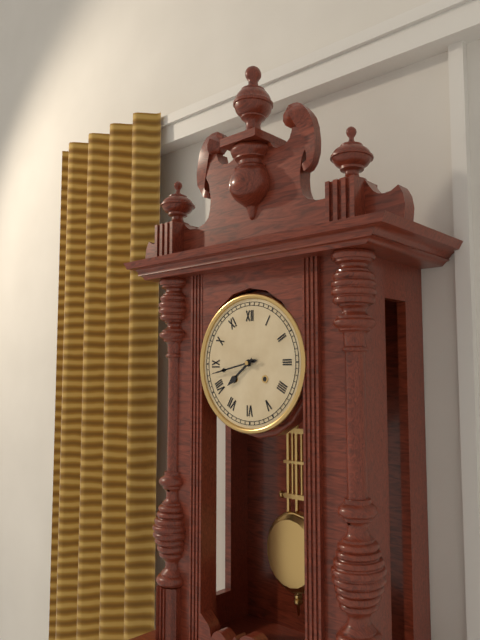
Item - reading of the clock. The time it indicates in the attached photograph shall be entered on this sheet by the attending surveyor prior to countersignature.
7:43
